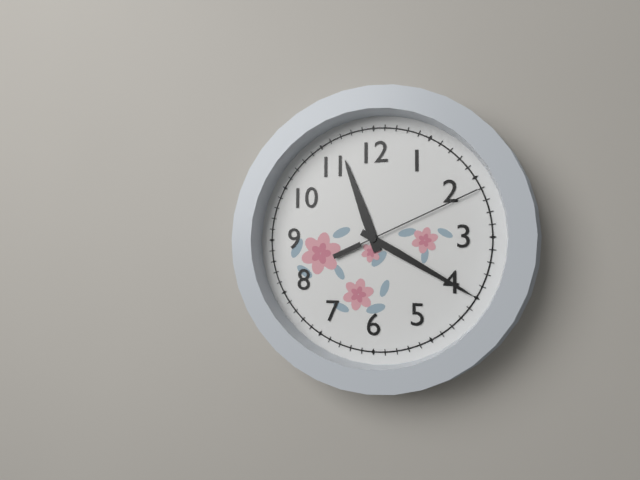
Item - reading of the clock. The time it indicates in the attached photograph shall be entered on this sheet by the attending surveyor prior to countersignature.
11:20:11
